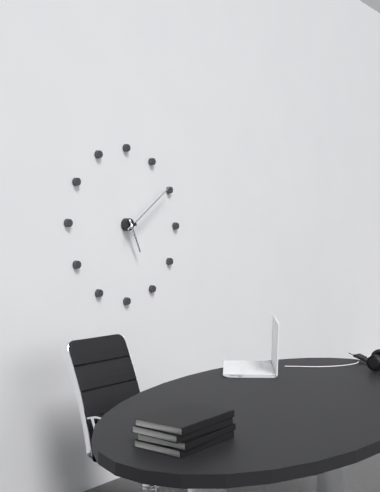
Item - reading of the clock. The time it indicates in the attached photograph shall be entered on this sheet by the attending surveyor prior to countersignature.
5:09
